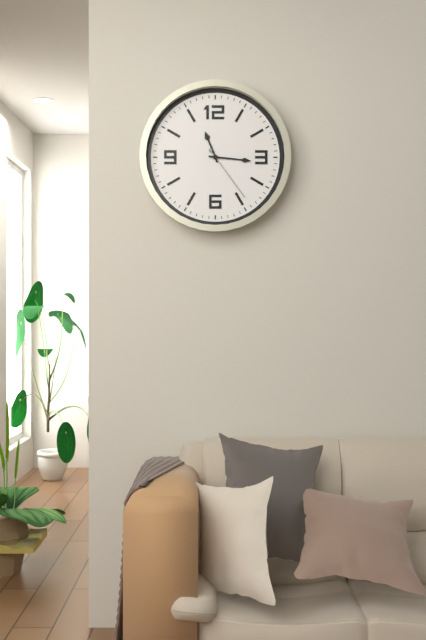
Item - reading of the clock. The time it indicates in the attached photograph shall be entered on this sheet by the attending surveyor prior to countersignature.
11:16:24
